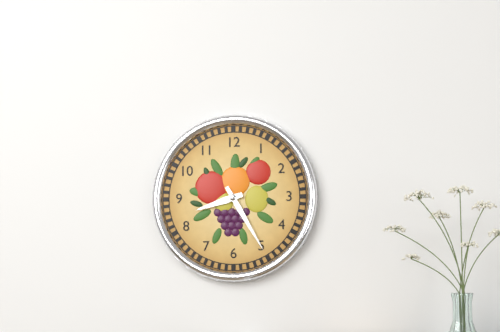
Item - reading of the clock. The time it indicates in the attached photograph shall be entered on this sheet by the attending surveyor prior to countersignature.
8:25
